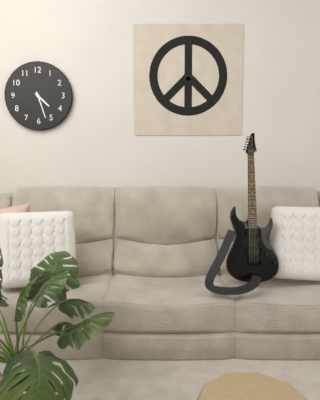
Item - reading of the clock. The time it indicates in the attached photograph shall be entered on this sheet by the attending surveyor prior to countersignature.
4:27
